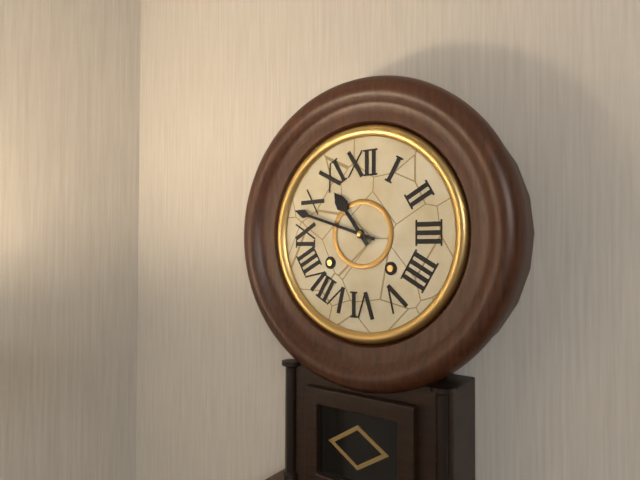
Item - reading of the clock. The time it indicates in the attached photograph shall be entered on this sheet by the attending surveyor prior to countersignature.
10:48
